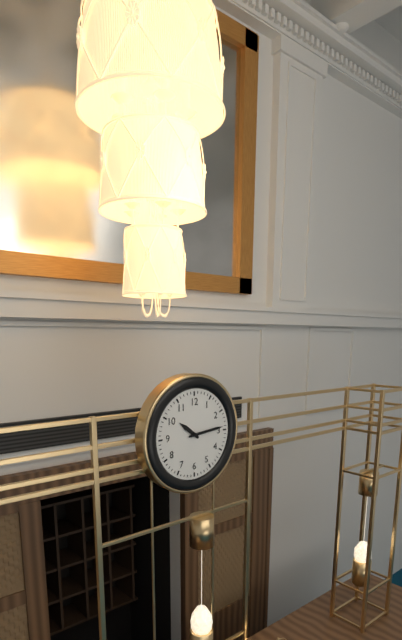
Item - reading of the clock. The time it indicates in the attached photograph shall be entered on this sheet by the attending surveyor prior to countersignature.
10:14
